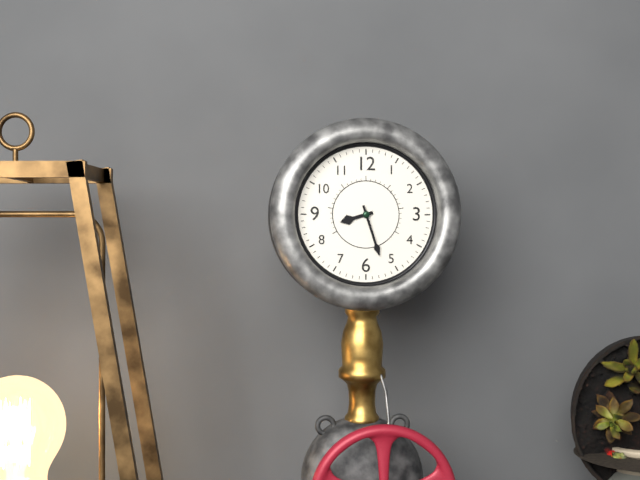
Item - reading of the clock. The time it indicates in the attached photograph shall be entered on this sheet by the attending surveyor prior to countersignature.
8:27
